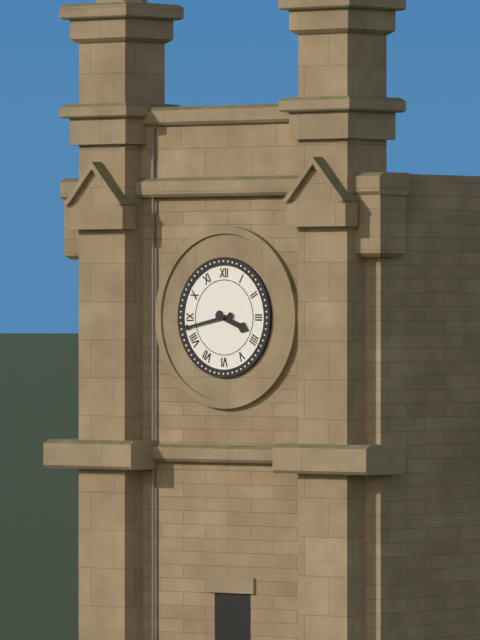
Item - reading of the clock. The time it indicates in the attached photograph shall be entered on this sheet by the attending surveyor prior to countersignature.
3:43
